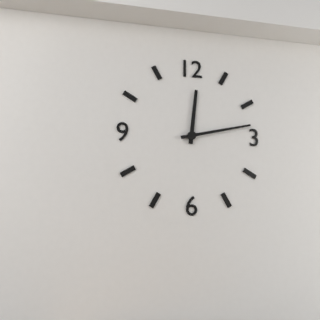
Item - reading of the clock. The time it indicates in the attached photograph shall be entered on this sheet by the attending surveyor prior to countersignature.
12:13
